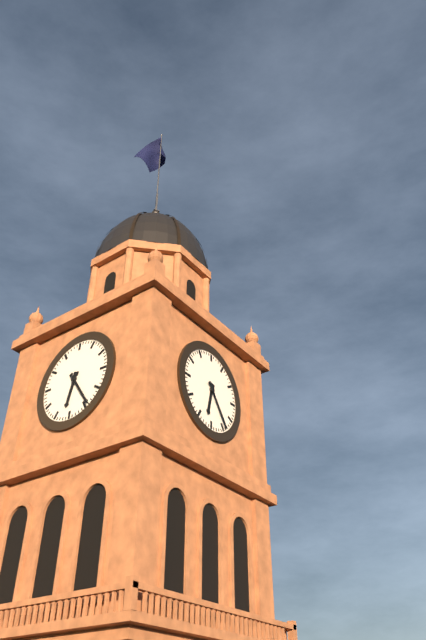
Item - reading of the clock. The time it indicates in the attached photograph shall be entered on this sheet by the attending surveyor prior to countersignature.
6:24
